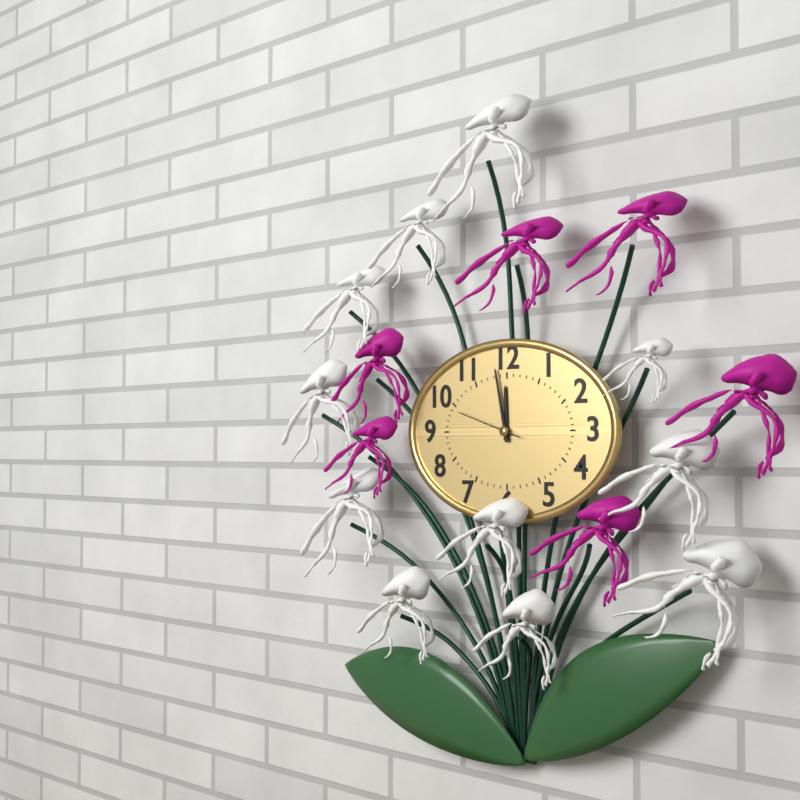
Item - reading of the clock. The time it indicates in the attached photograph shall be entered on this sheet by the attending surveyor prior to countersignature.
11:58:48
